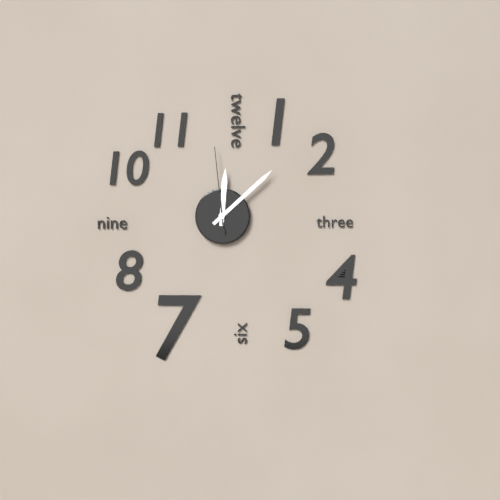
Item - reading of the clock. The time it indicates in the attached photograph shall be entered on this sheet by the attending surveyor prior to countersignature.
12:08:59
